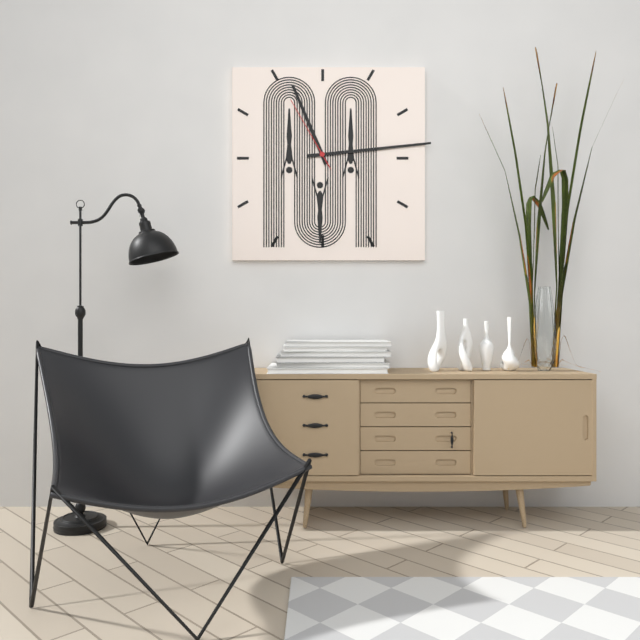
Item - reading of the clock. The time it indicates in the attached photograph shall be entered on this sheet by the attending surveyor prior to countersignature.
11:14:55
